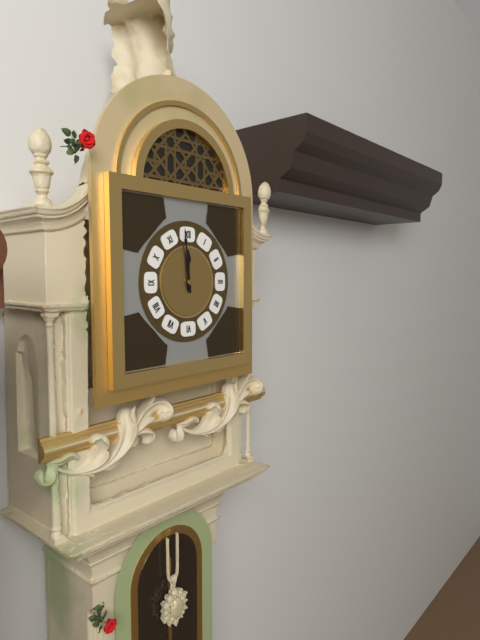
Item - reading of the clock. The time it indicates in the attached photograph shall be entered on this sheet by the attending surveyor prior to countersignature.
11:59
